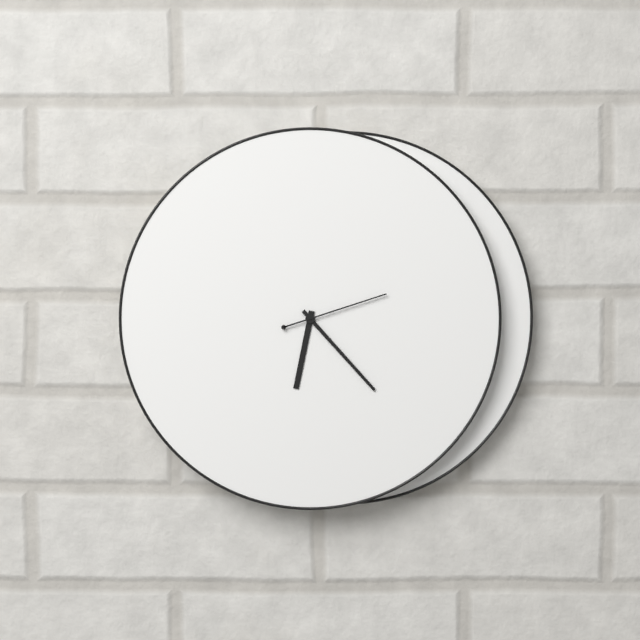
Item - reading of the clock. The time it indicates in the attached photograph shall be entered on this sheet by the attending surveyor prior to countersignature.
6:23:12
